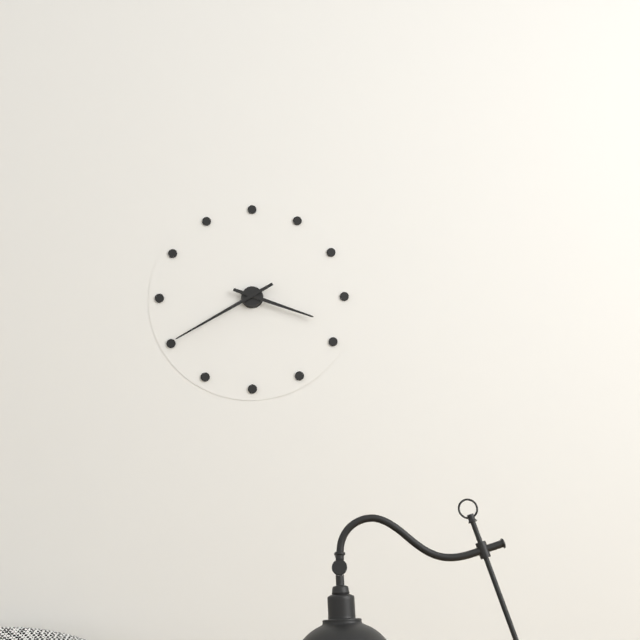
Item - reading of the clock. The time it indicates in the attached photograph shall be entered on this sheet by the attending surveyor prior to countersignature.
3:40
